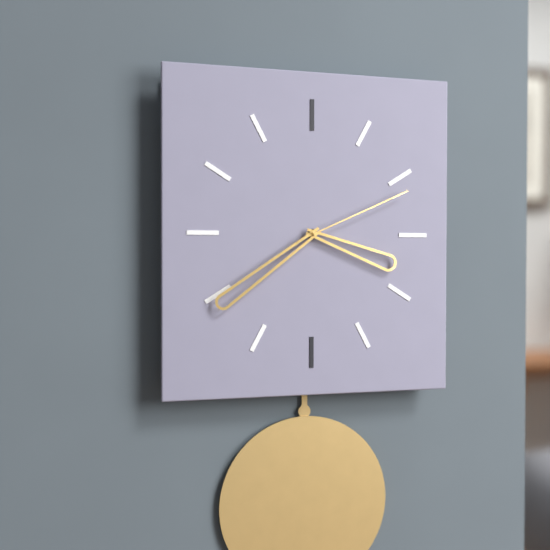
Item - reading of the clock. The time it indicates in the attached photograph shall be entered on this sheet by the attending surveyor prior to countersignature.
3:39:11
